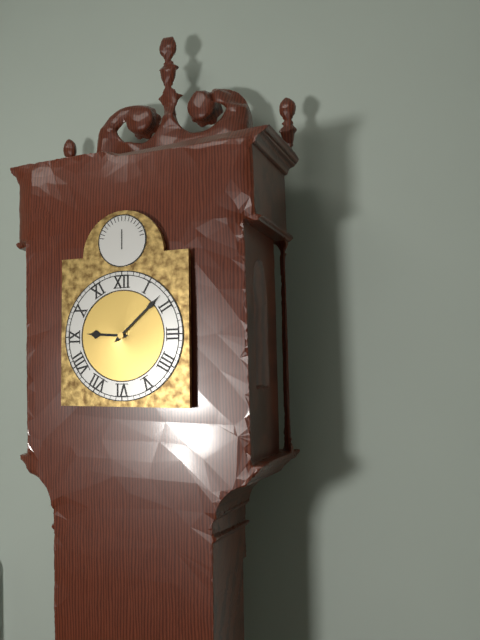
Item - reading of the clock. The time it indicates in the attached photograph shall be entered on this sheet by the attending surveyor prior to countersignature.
9:08
